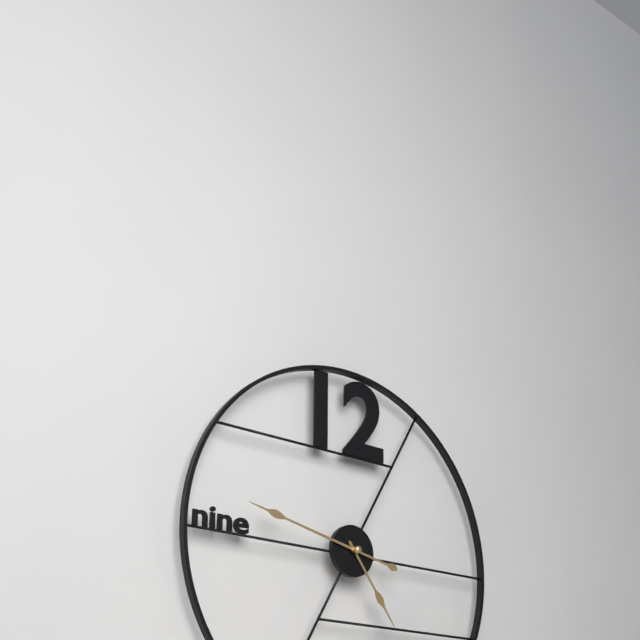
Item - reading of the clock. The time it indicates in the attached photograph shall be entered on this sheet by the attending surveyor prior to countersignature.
4:47
